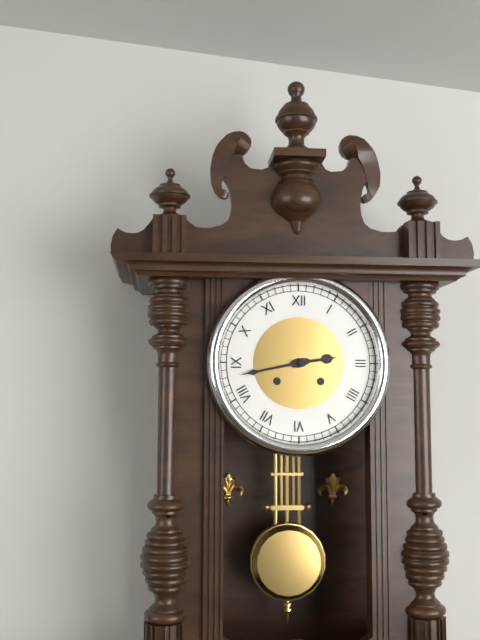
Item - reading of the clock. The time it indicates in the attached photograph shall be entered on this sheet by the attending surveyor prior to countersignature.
2:43
